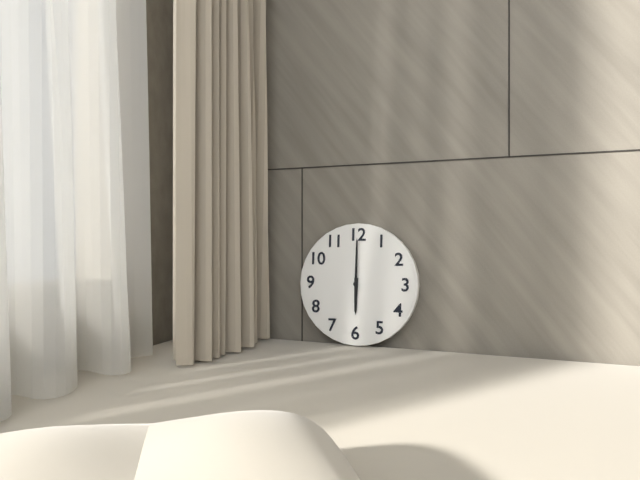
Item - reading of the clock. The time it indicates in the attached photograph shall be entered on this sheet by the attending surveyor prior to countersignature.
6:00
